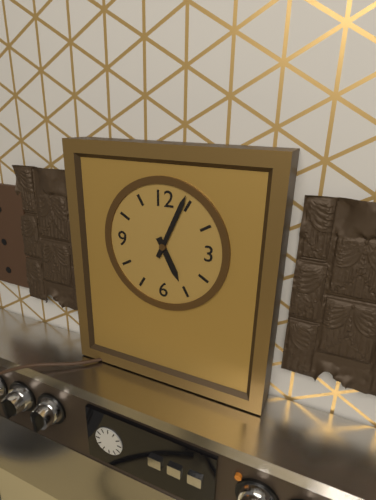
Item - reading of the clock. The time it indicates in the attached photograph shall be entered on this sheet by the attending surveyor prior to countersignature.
5:04
